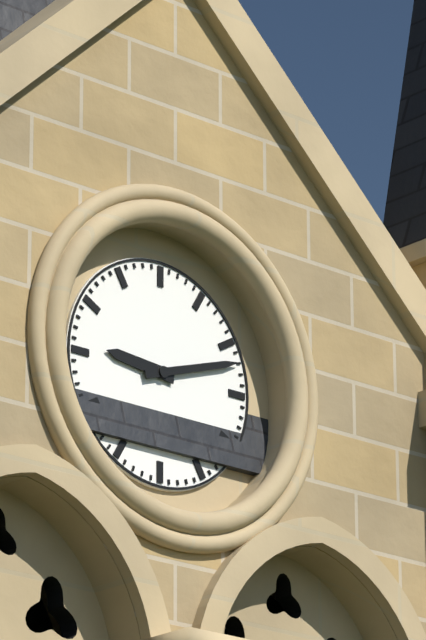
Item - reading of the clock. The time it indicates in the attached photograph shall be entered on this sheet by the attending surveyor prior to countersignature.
9:12
